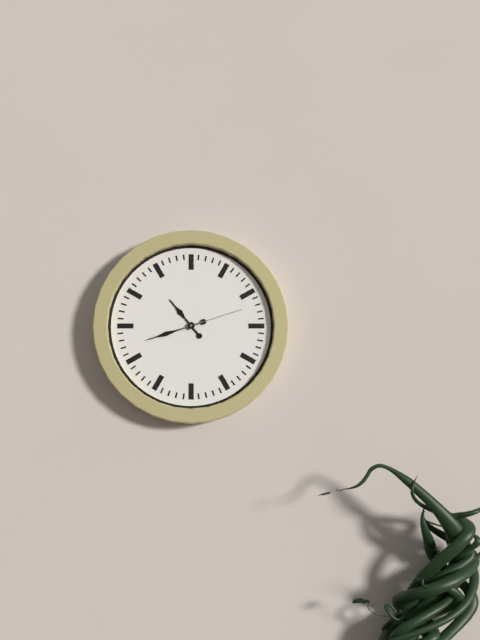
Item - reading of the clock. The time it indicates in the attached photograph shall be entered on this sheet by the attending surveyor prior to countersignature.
10:42:12
